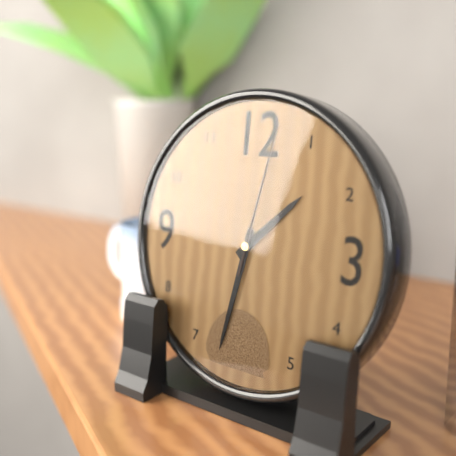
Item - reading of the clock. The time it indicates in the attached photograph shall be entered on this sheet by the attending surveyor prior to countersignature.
1:32:02
